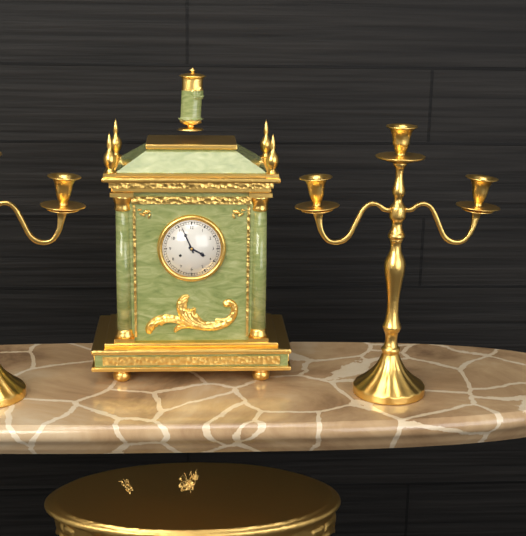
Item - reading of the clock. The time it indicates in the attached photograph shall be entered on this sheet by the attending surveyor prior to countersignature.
3:56
